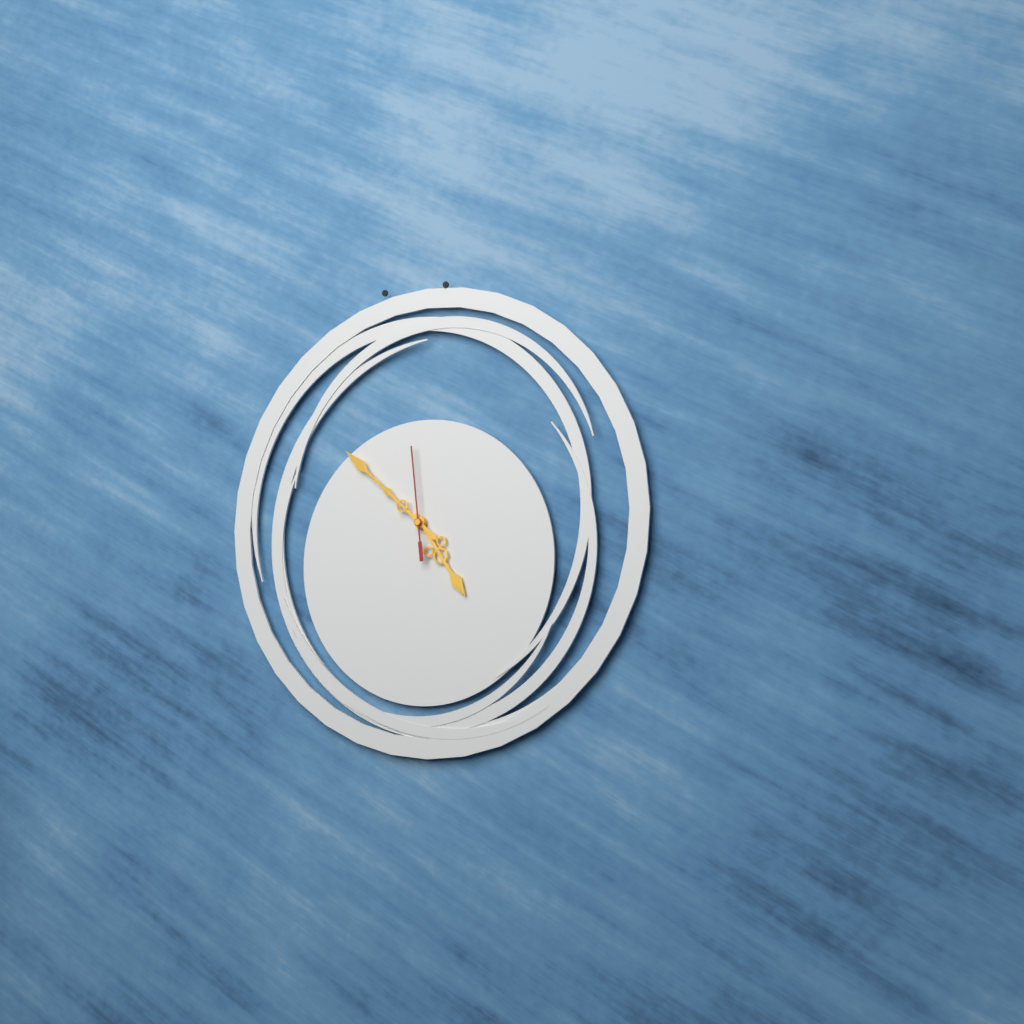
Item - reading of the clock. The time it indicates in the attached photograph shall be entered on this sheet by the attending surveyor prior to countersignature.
4:52:59
